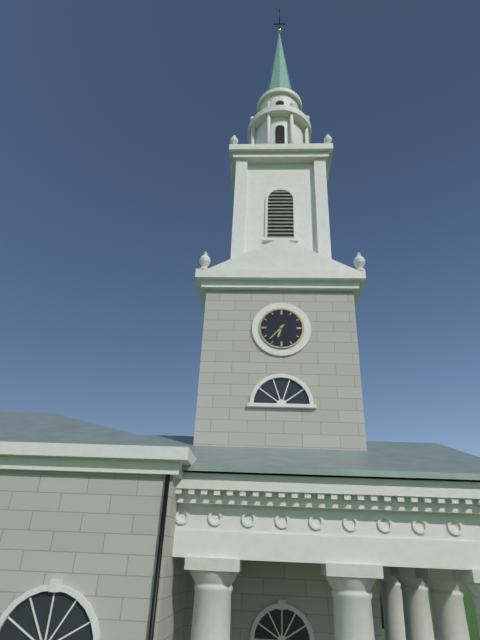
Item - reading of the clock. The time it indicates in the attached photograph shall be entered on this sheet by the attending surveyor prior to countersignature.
6:37
